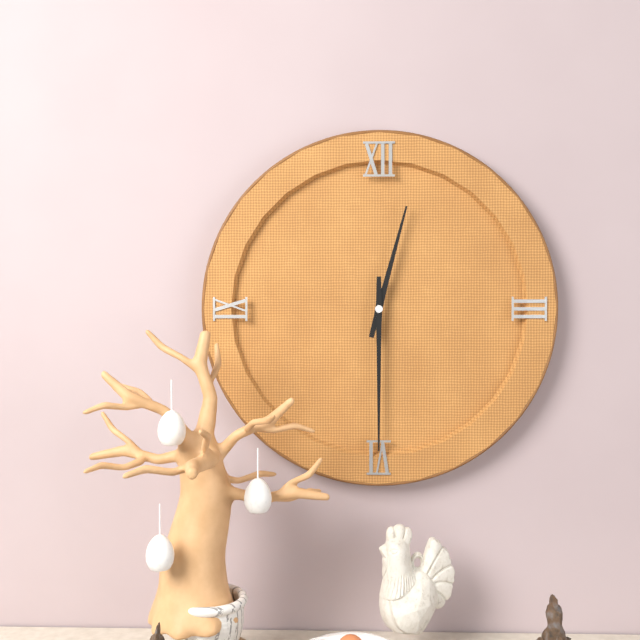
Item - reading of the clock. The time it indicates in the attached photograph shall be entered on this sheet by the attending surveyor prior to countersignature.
12:30
